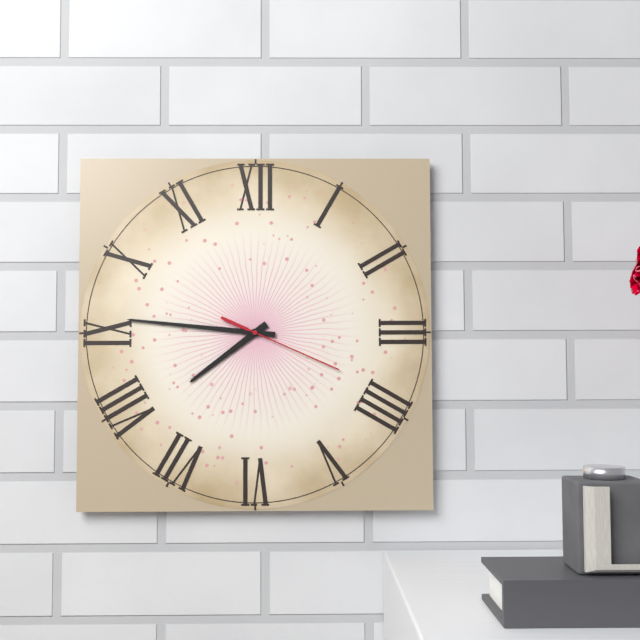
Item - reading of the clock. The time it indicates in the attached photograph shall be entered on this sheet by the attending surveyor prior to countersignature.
7:46:19
